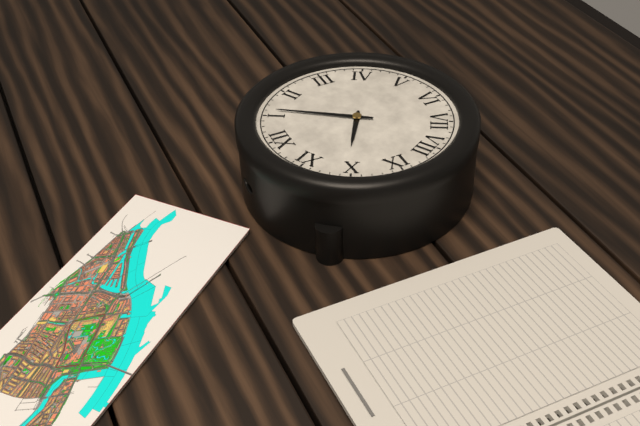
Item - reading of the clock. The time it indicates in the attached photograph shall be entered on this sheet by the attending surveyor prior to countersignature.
10:06
